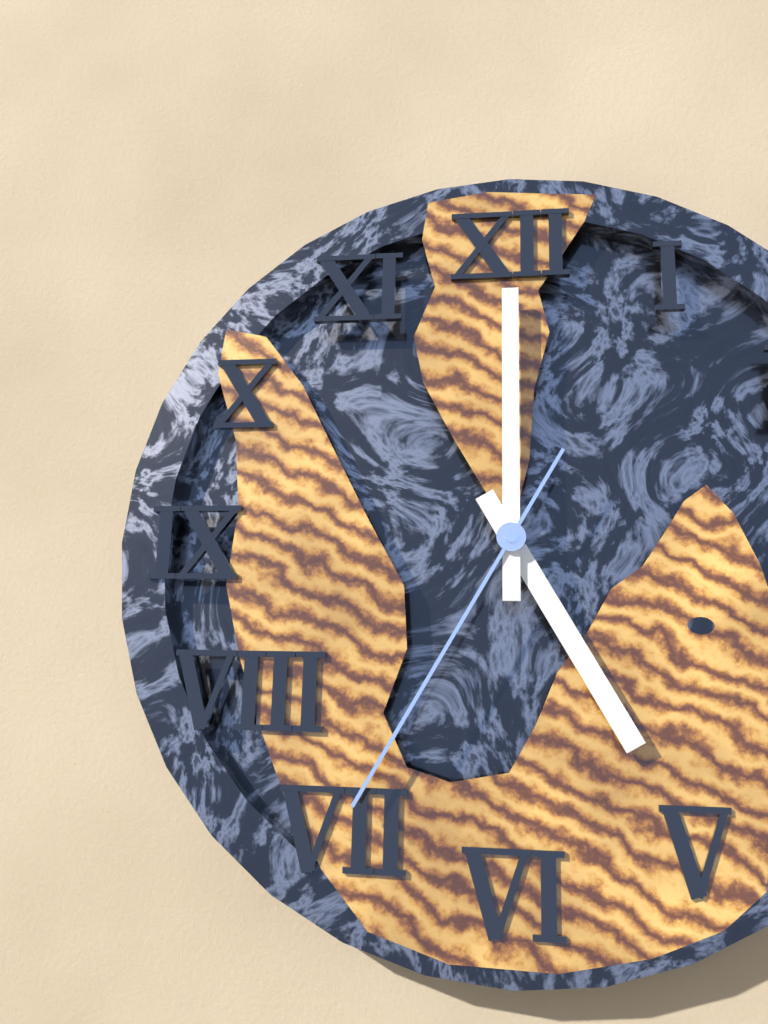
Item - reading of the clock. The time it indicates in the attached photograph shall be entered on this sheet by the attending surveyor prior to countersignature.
5:00:35
